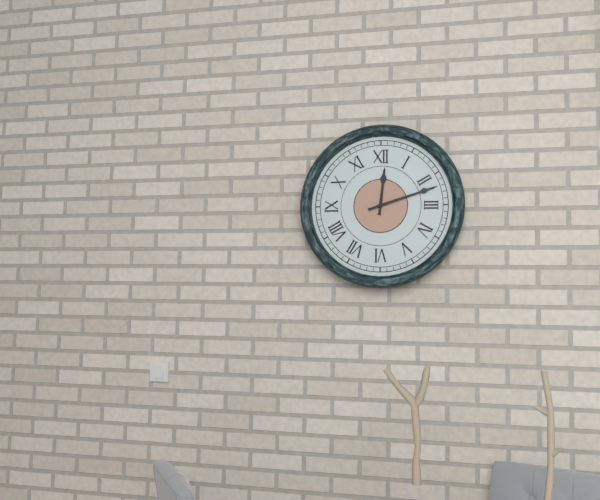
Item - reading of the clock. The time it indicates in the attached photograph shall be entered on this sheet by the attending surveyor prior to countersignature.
12:12
